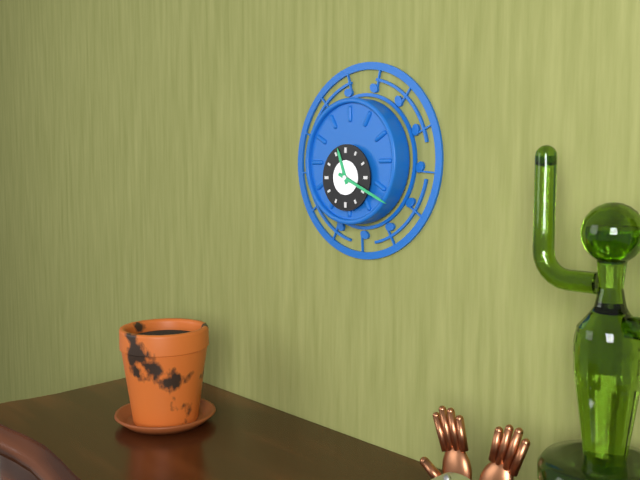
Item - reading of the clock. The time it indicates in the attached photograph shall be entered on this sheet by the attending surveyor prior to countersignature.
11:19
